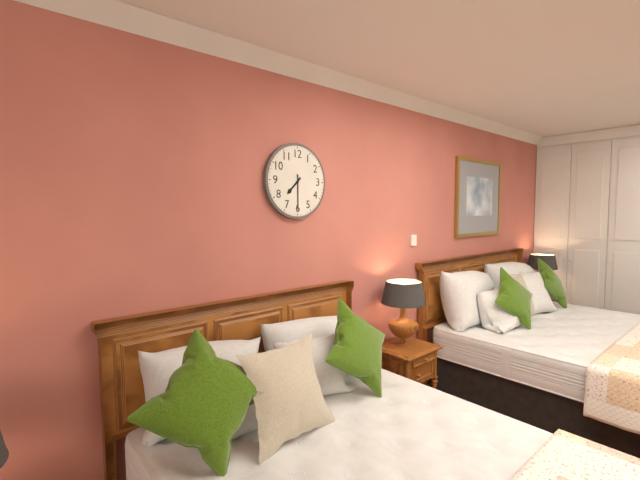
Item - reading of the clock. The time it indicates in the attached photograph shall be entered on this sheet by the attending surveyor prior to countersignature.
7:30
